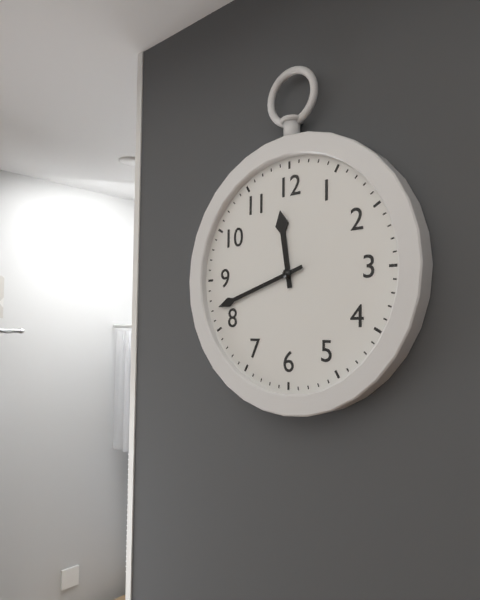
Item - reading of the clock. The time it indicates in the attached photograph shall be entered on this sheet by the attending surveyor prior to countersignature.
11:42
